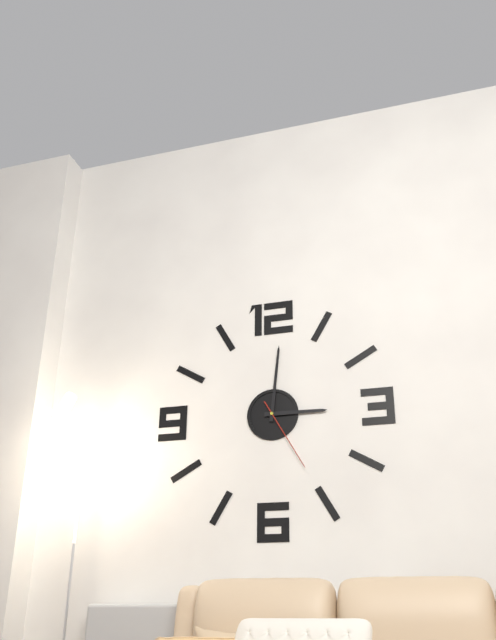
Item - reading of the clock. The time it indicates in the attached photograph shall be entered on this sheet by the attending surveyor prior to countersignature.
3:01:25
